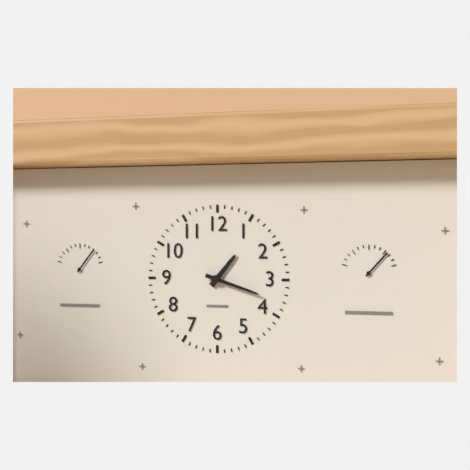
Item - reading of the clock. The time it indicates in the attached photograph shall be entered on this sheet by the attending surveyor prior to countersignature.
1:18
